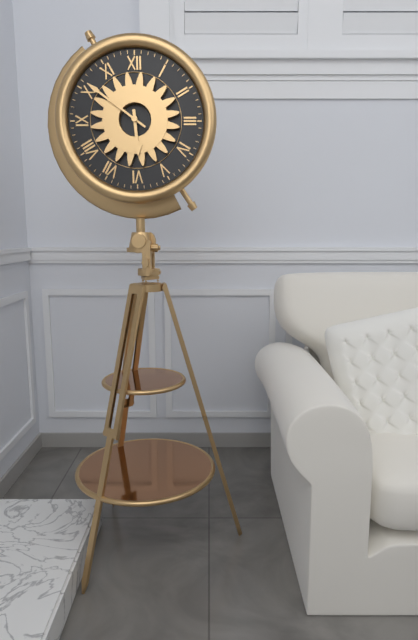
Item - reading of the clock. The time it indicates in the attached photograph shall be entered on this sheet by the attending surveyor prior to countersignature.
5:51
